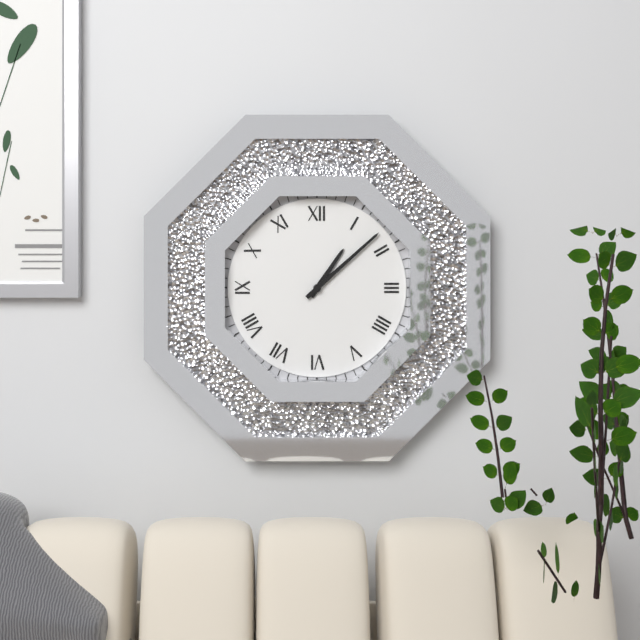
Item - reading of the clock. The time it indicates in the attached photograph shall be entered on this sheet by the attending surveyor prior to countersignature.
1:08
